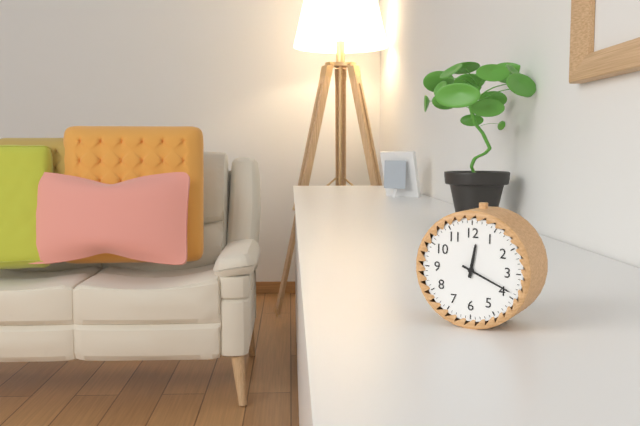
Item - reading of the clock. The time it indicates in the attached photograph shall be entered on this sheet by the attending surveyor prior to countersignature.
12:19
